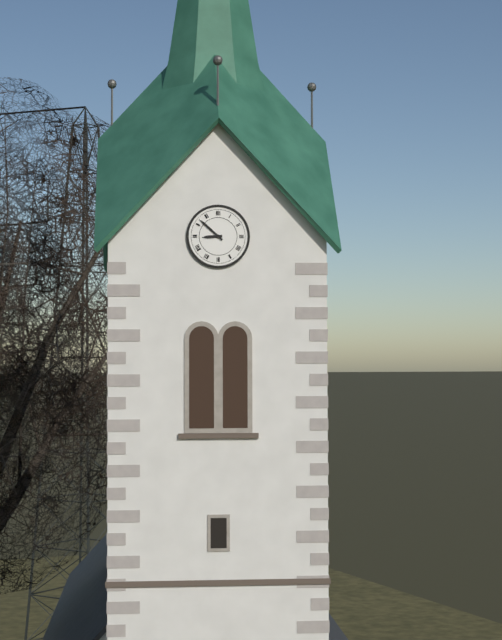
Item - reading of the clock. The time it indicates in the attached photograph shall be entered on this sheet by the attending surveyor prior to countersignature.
8:52
